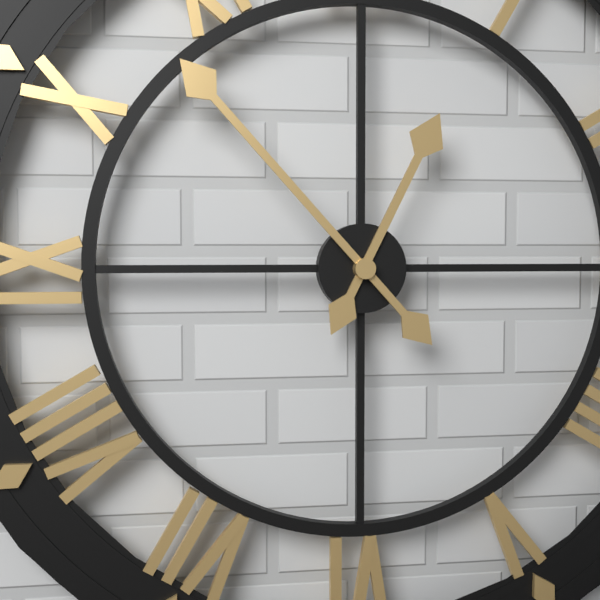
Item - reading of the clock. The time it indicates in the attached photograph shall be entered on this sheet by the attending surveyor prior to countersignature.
12:53
